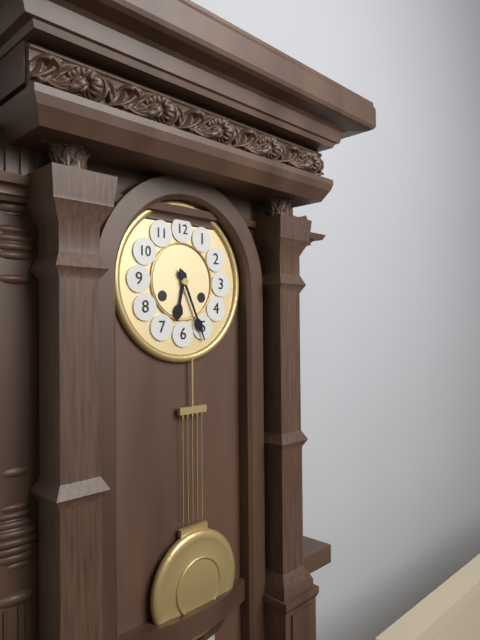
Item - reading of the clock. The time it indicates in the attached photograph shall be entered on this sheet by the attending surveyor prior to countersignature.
6:26
